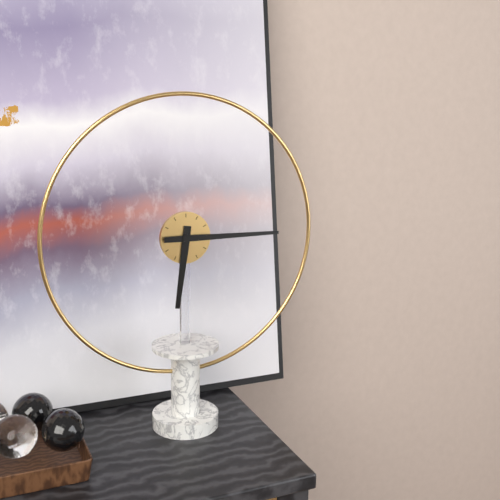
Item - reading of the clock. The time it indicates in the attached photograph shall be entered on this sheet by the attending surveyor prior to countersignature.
6:15
